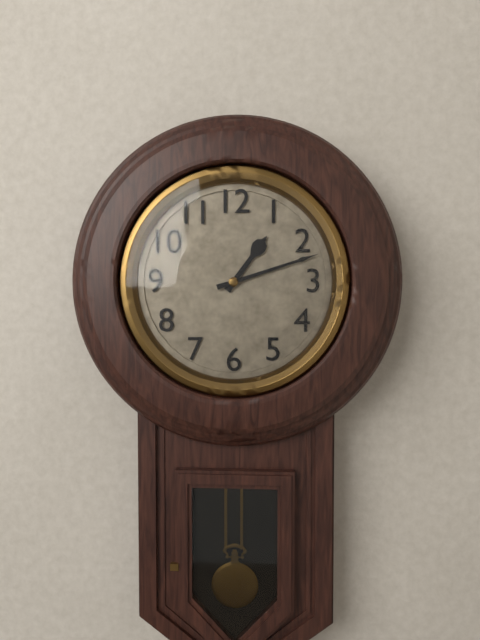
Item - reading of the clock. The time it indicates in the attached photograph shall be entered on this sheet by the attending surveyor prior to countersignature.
1:12
